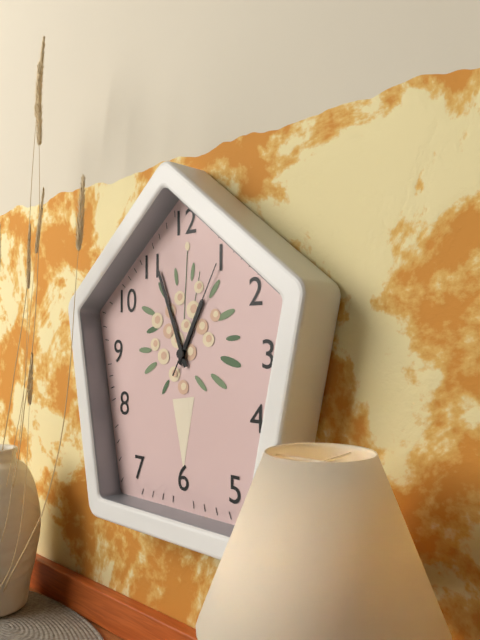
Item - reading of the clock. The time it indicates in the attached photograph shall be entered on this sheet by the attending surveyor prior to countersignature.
12:56:05
